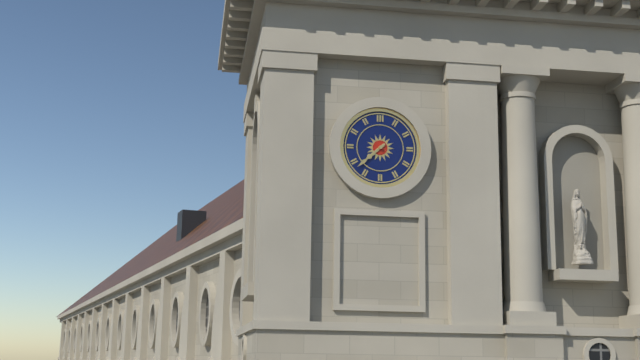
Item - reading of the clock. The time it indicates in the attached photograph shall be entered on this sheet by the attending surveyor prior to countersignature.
7:38
